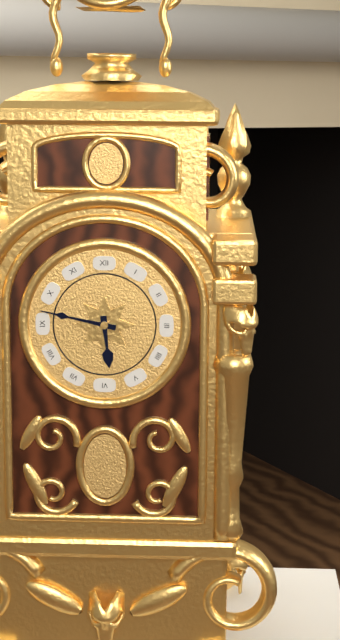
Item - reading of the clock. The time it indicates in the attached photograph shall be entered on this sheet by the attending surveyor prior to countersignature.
5:47
